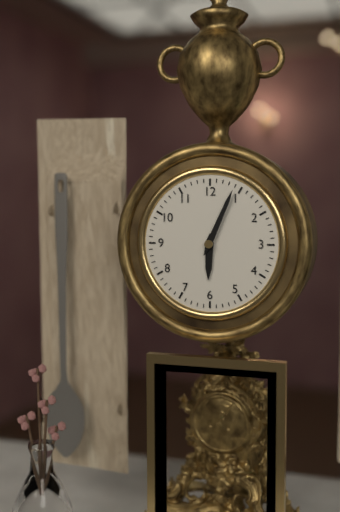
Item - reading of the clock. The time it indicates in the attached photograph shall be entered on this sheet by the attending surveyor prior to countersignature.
6:04
